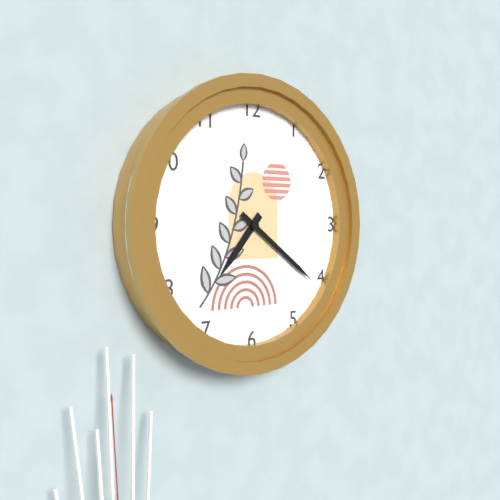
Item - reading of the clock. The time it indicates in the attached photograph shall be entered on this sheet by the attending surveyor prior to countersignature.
7:21
